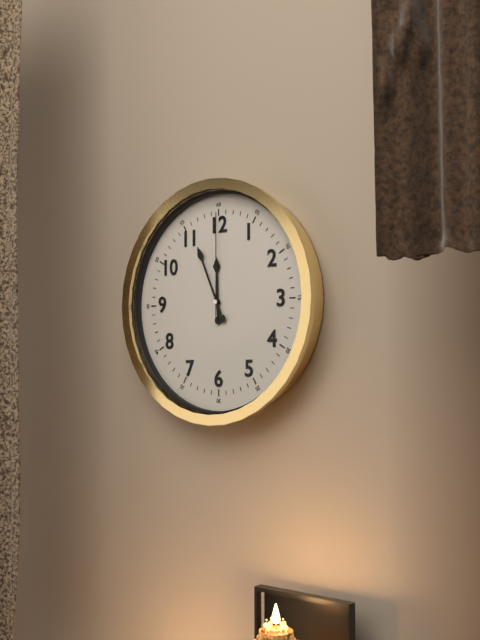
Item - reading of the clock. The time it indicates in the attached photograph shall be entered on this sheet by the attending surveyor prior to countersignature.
11:56:00
